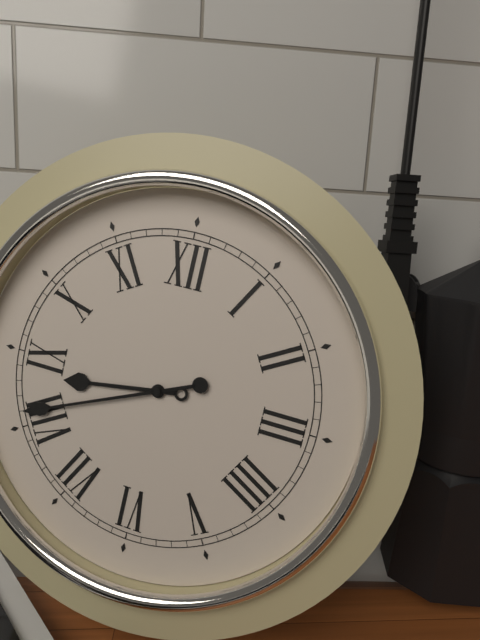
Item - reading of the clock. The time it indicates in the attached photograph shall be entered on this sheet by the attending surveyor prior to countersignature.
8:41
